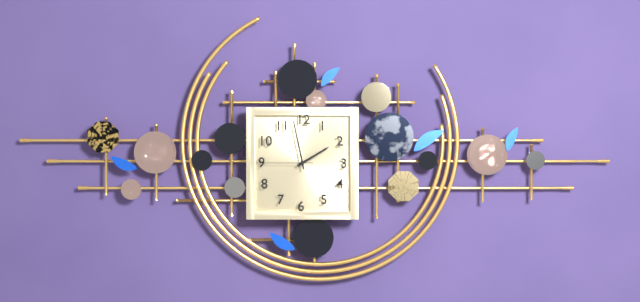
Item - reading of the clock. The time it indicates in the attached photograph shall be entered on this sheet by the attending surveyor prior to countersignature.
1:58:45
